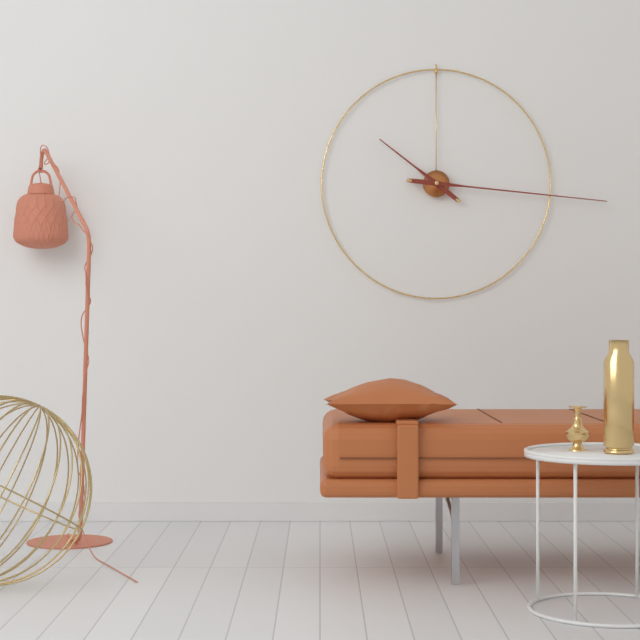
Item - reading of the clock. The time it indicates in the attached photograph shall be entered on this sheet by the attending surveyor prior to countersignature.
10:16
